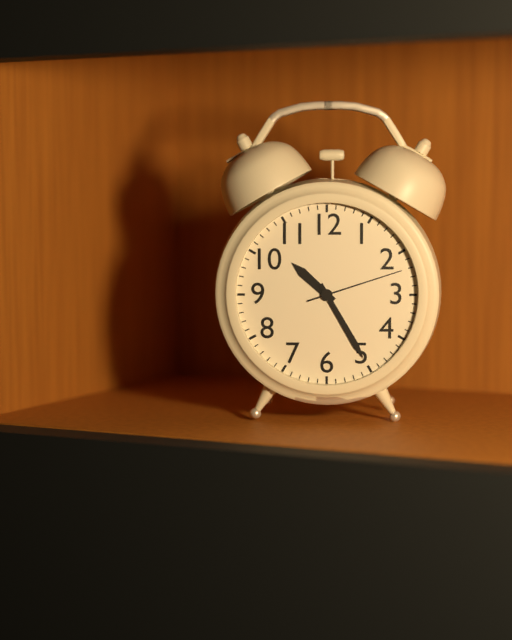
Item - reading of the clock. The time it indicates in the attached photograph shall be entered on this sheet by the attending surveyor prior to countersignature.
10:25:12
